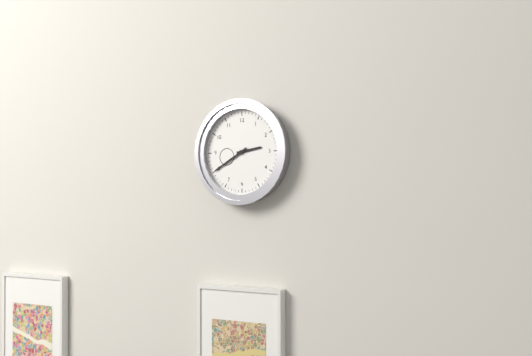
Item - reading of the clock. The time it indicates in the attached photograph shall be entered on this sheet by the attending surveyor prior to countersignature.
2:40
